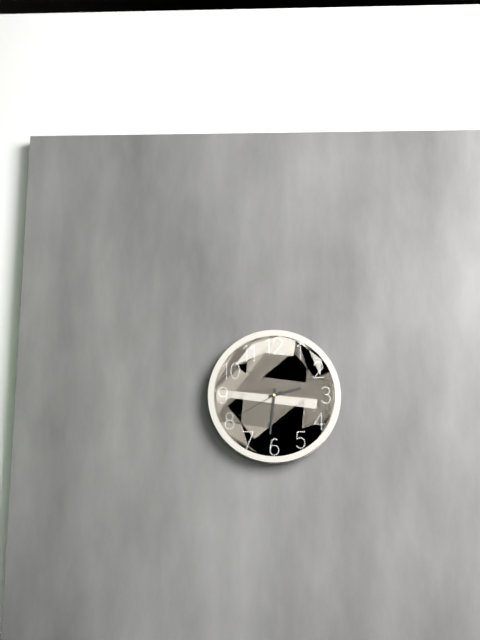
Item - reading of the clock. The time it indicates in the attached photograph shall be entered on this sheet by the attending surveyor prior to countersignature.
2:31:40
